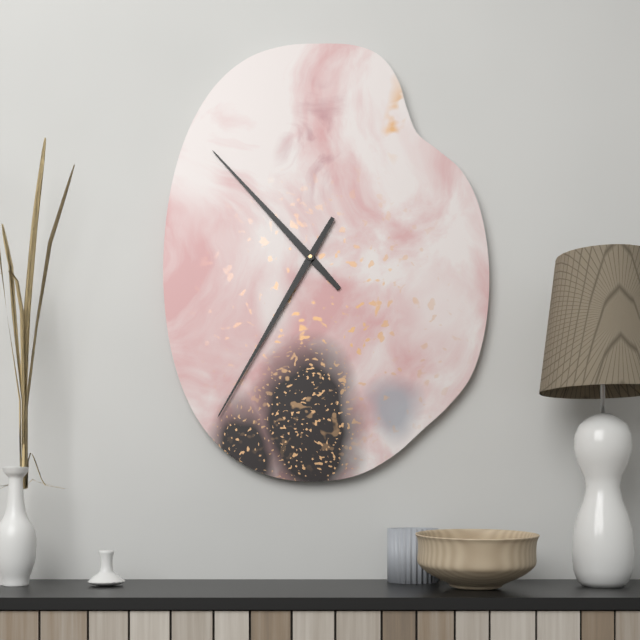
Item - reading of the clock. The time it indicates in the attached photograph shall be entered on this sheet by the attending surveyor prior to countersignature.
10:35
